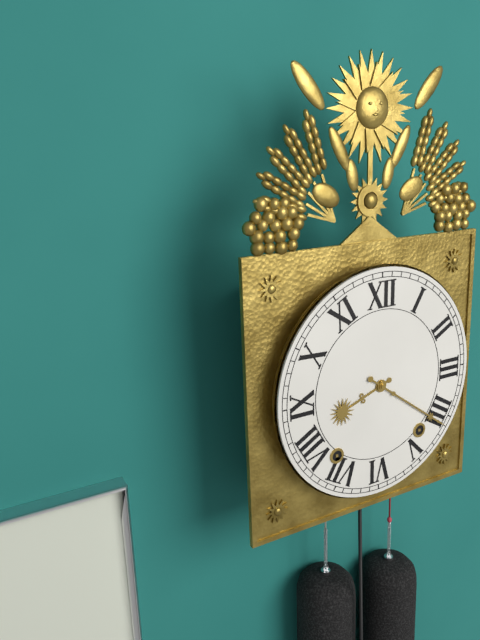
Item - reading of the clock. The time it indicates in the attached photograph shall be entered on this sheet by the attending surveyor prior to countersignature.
8:21
